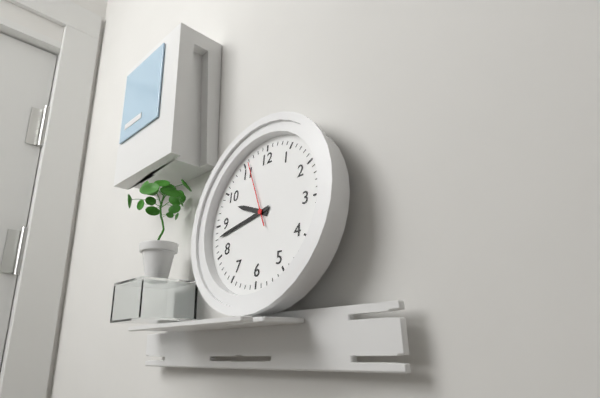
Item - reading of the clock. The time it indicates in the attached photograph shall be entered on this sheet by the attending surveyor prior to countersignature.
9:43:56
